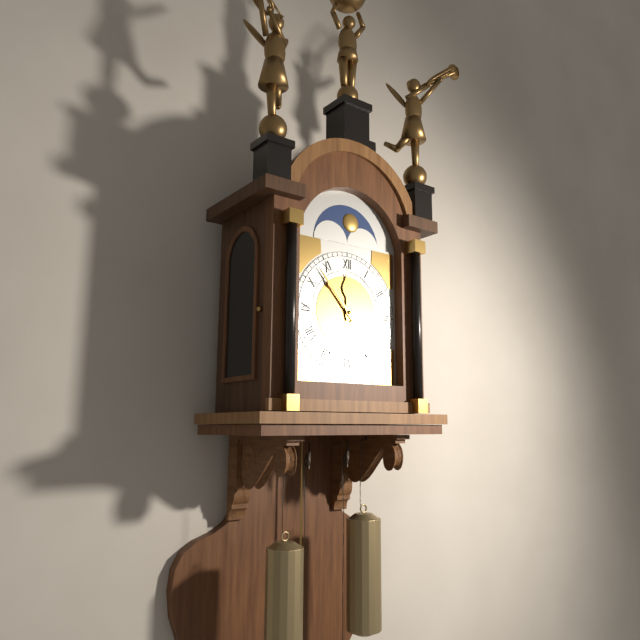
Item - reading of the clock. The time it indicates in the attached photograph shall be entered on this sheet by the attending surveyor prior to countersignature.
11:53
